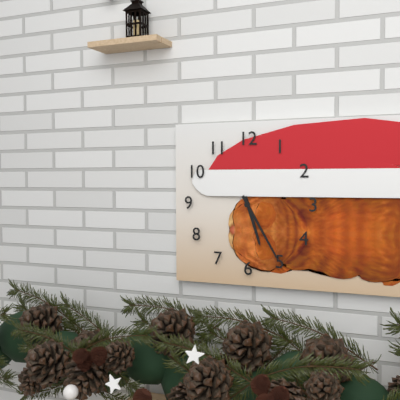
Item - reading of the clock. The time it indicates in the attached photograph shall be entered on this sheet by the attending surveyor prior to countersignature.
5:25
